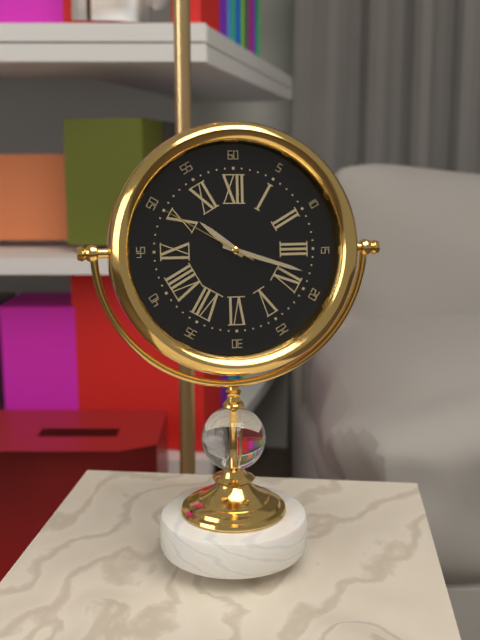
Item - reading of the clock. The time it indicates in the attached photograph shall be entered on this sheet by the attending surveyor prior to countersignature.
10:18:50
